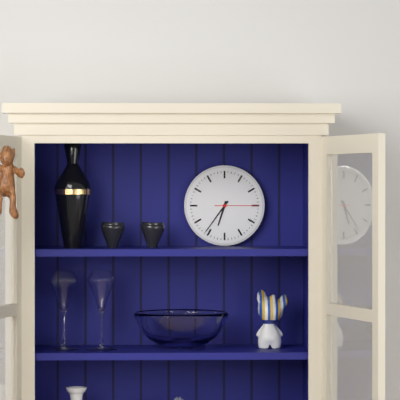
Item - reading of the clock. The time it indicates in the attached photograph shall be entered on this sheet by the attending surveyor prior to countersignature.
6:36
